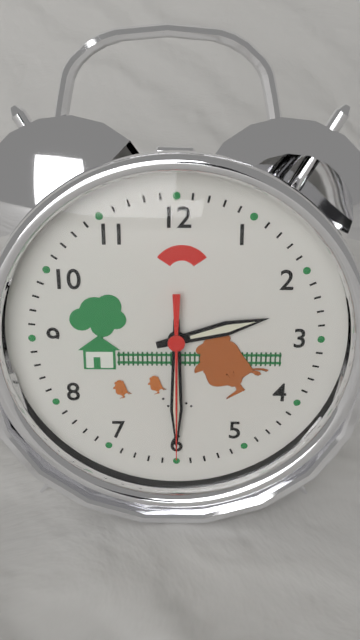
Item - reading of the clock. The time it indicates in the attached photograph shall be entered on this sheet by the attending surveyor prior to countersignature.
2:30:30
